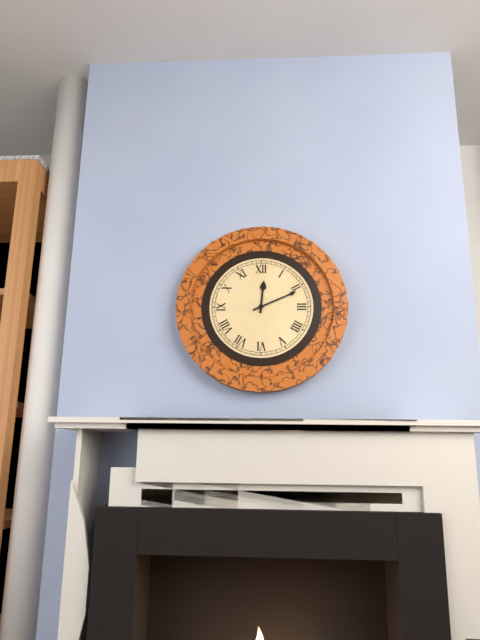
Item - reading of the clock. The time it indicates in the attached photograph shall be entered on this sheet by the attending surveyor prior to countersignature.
12:11
